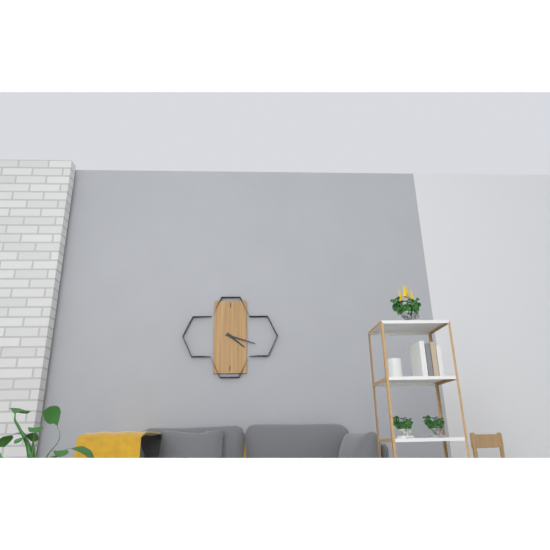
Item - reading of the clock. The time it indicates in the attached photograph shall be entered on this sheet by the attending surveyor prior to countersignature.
4:18
